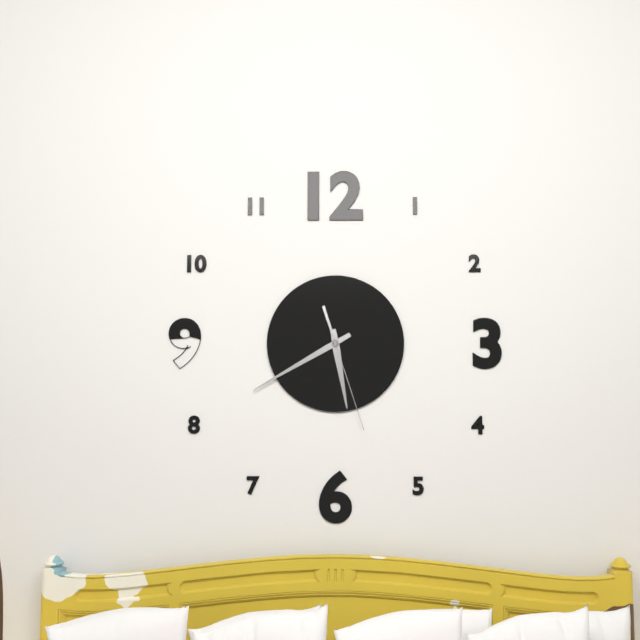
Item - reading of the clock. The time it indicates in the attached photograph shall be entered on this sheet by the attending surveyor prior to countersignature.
5:40:27
